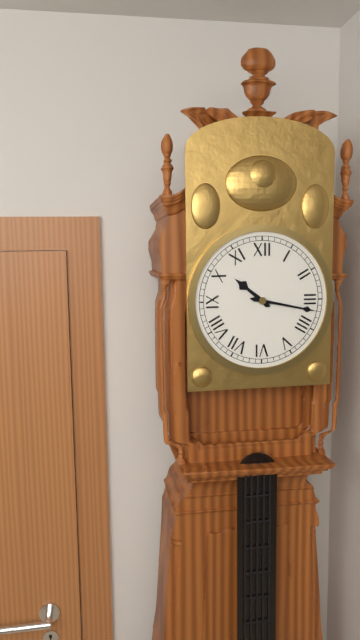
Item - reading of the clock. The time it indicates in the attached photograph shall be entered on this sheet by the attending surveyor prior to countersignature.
10:17
